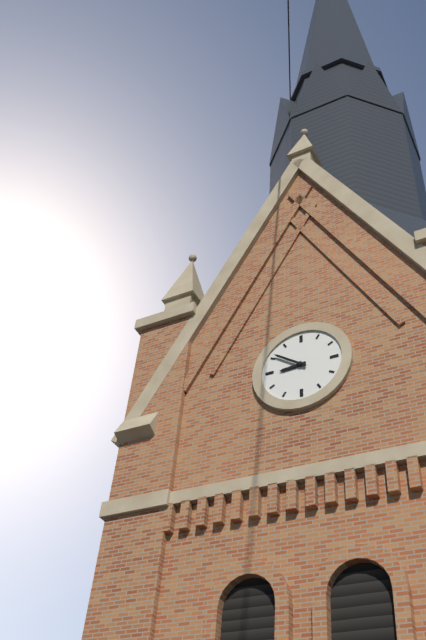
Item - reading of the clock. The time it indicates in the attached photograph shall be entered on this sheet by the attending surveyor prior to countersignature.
8:51
